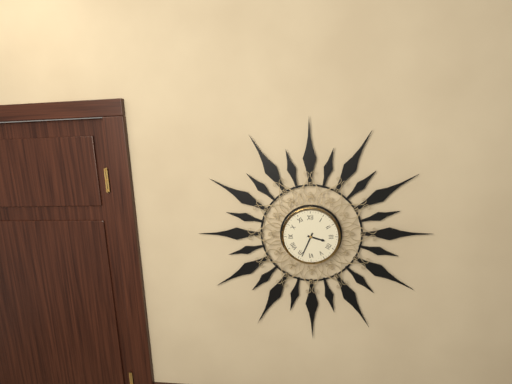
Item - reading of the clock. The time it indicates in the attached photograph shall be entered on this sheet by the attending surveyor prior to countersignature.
3:34
